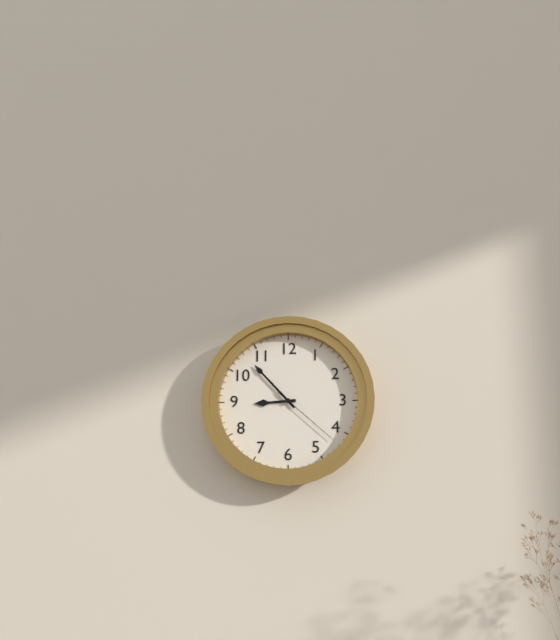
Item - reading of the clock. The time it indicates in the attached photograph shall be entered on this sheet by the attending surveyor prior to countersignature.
8:53:22
